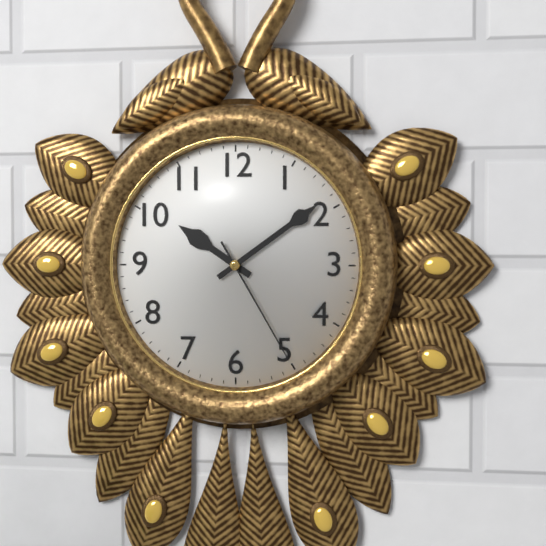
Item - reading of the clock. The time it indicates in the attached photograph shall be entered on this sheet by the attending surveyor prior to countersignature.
10:09:25
